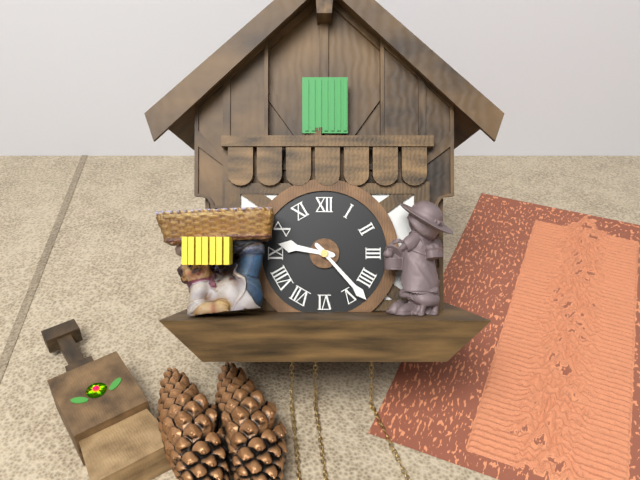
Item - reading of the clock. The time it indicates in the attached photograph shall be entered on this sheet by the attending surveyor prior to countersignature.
9:23
